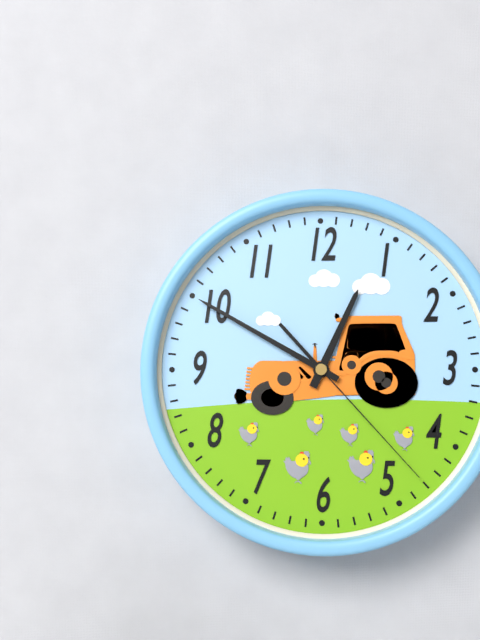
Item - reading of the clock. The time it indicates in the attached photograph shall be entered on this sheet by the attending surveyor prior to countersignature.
12:50:23
